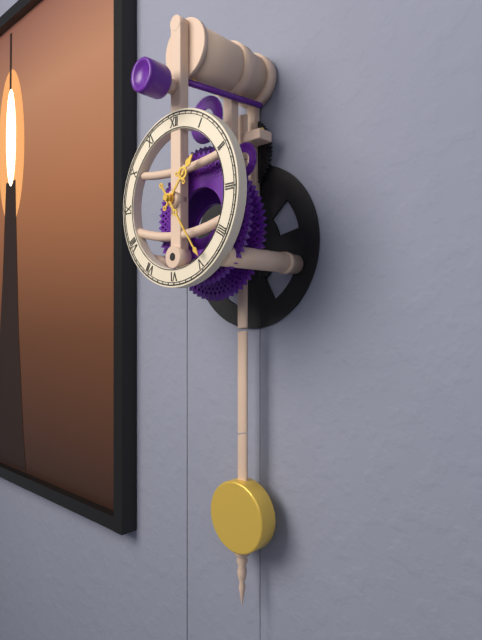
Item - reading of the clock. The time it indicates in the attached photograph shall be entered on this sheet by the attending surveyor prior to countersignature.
1:24
